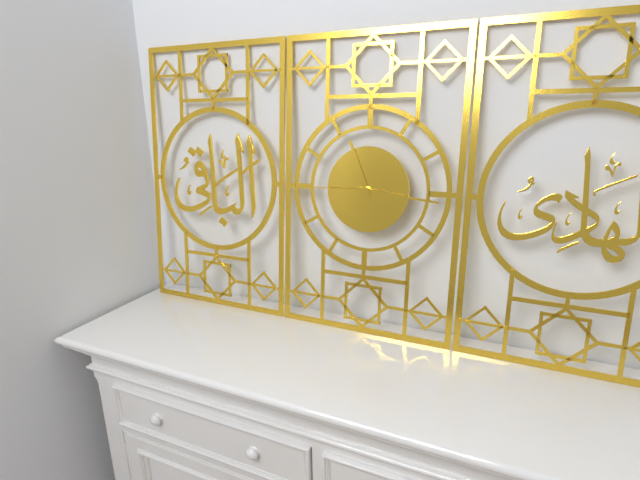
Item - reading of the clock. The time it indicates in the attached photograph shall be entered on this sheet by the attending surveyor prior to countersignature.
11:16:45
